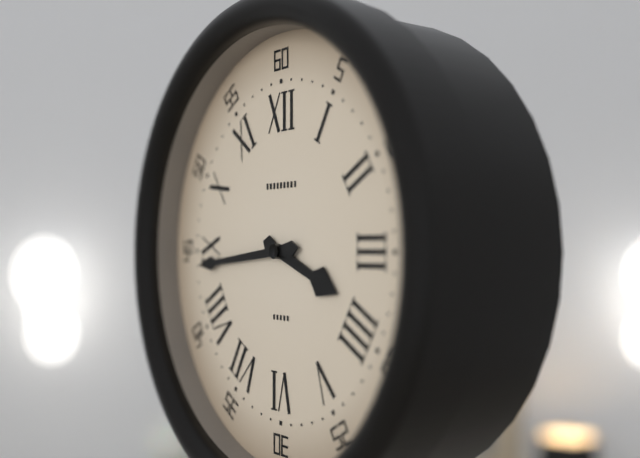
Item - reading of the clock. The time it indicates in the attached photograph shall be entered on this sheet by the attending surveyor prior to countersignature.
3:44
